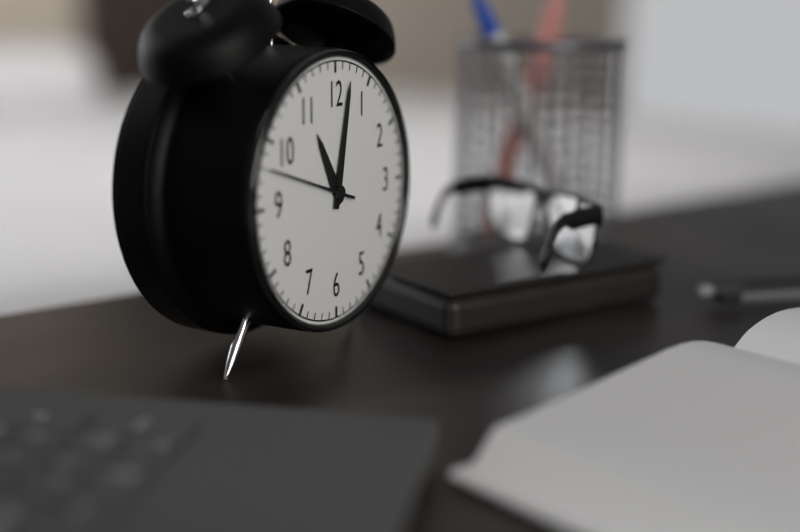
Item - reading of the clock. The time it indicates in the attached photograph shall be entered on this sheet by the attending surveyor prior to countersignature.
11:02:48
